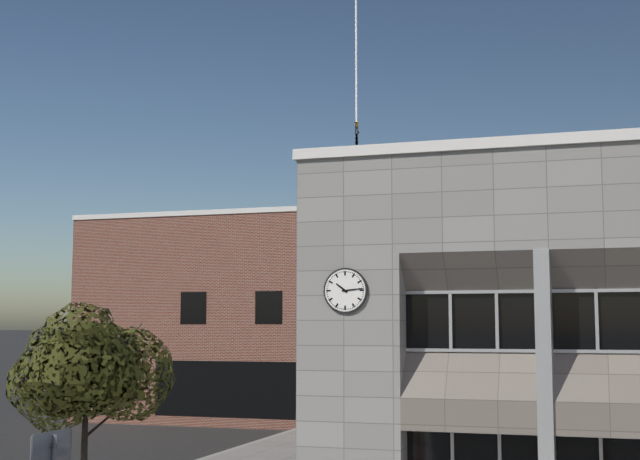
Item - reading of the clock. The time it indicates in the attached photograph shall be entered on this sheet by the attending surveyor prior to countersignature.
10:14
